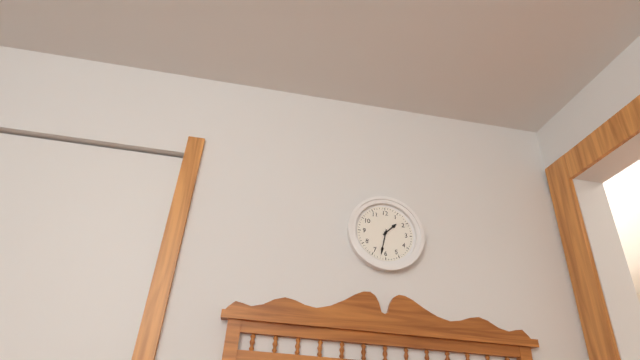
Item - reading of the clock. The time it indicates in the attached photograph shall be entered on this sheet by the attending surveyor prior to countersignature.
1:32
